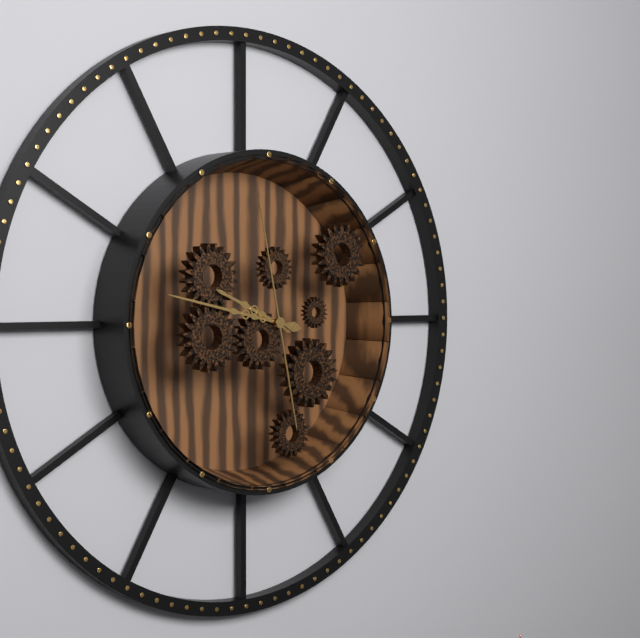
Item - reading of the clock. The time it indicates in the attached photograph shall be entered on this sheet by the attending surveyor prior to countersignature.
9:47:58
